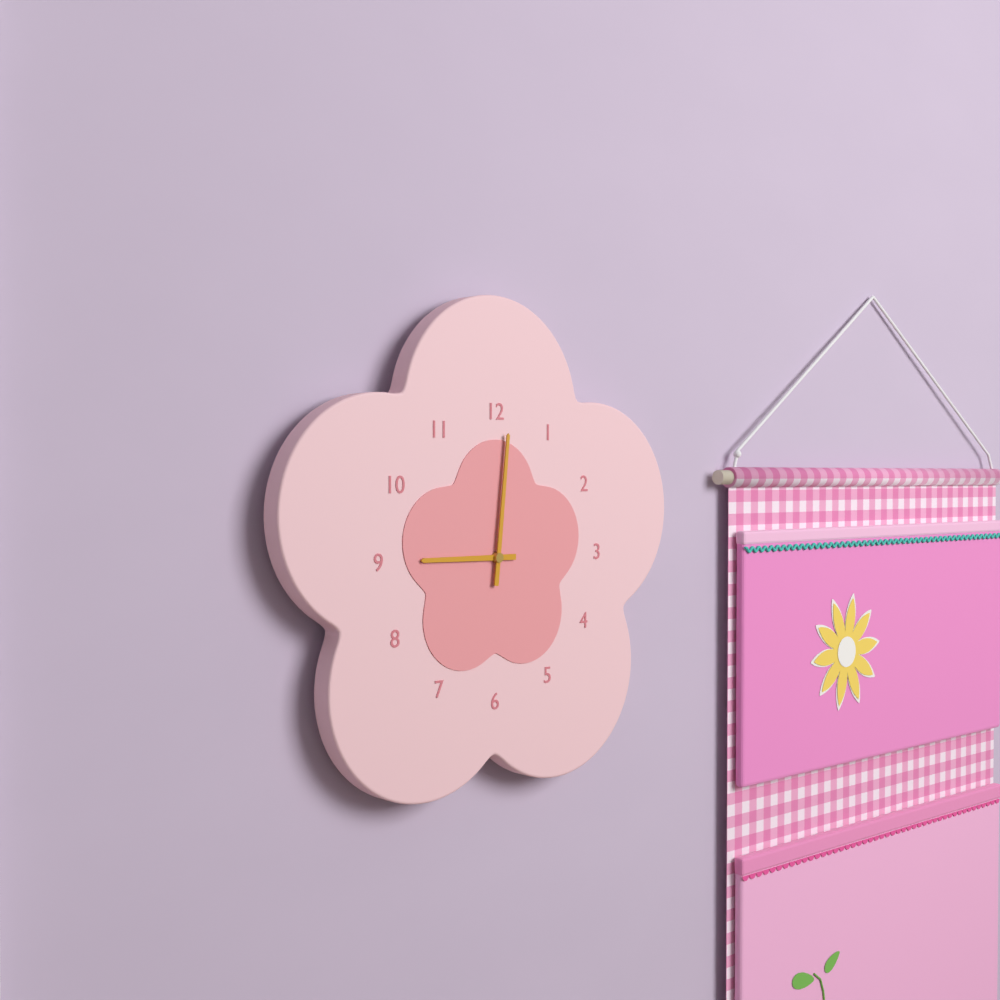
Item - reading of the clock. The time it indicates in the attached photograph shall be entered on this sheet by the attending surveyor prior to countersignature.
9:01
